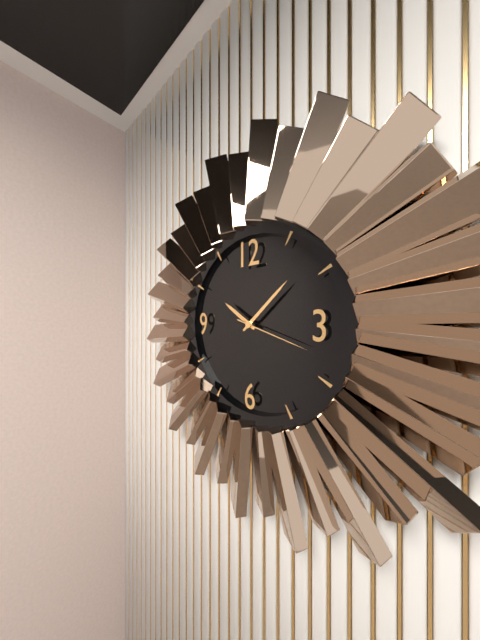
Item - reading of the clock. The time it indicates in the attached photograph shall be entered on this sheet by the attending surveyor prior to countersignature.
10:08:18
